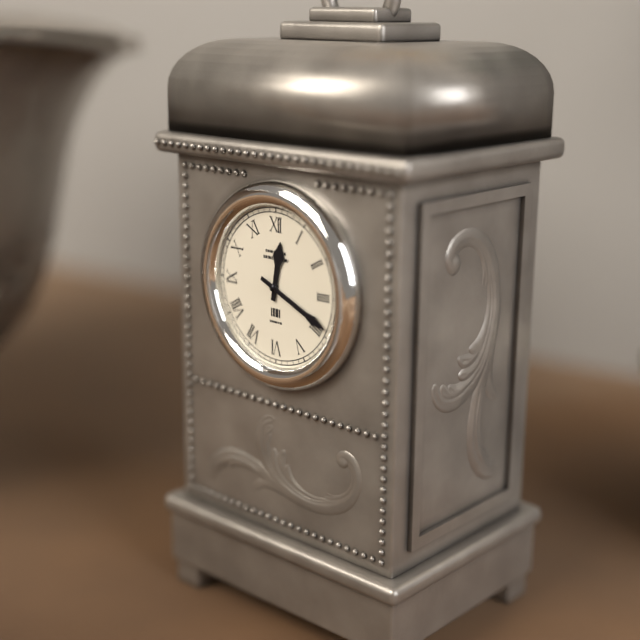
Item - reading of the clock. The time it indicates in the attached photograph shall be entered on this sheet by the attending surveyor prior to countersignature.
12:19
